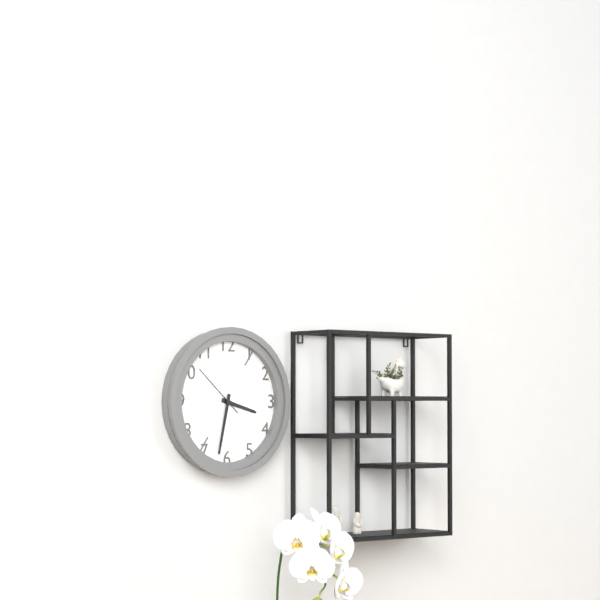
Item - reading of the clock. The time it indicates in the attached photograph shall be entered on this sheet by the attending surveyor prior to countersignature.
3:32:52
